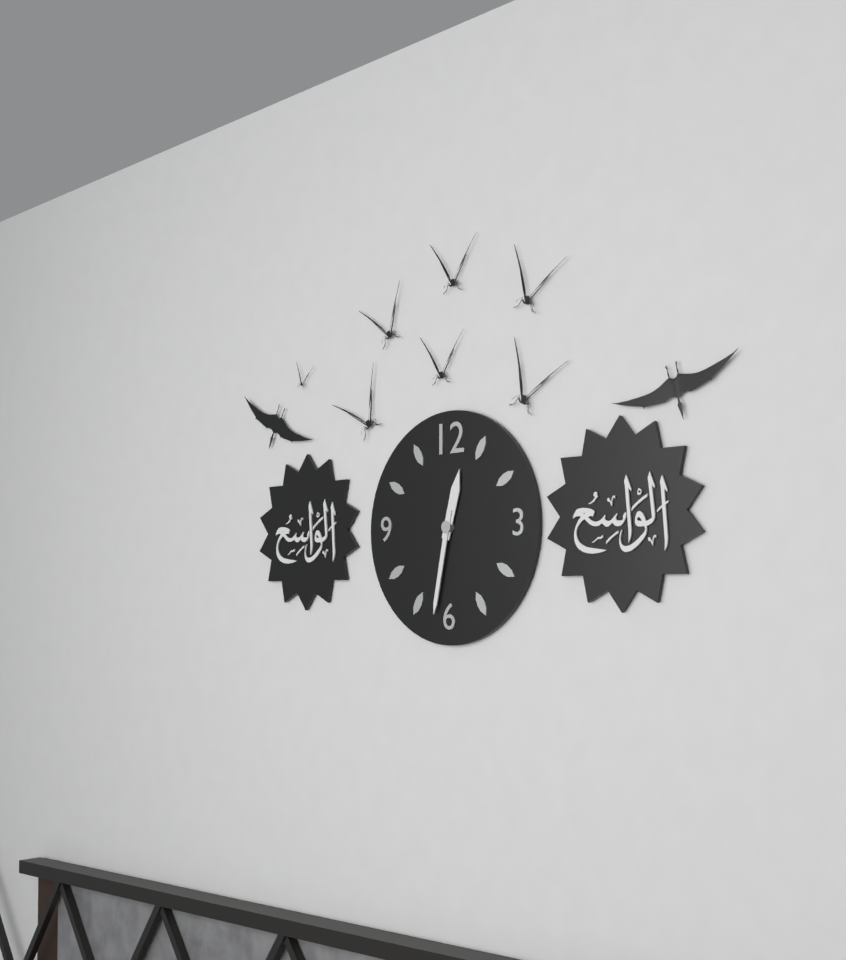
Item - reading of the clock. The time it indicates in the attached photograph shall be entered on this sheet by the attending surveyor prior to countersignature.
12:32
